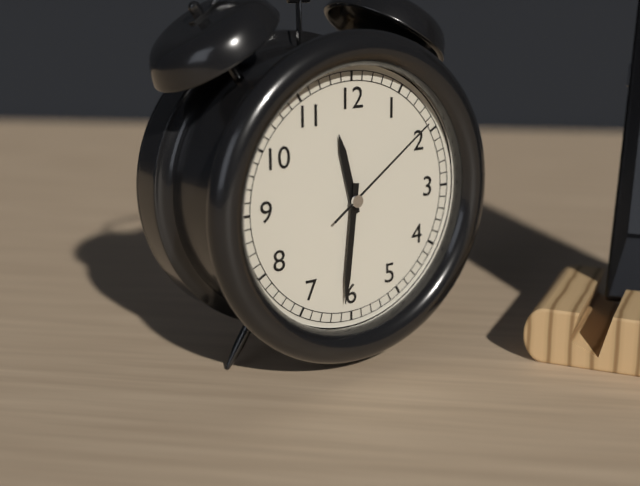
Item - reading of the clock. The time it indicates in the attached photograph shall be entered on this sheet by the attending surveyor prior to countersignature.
11:31:09
